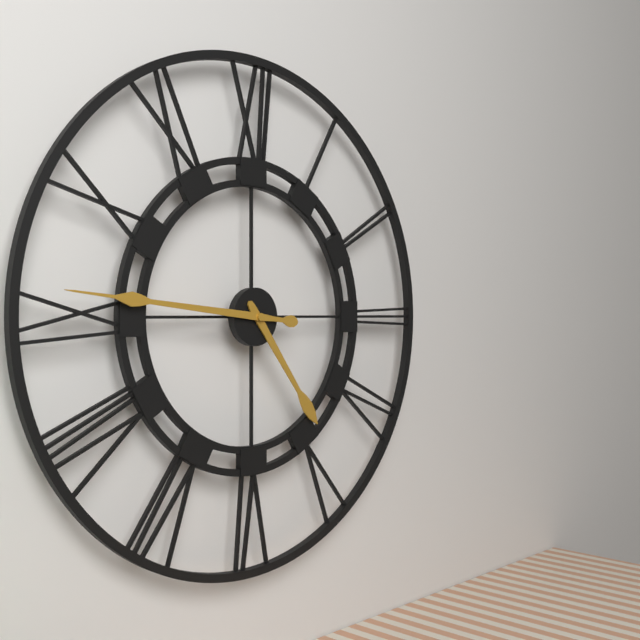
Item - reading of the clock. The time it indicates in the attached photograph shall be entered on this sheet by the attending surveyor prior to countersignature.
4:46
